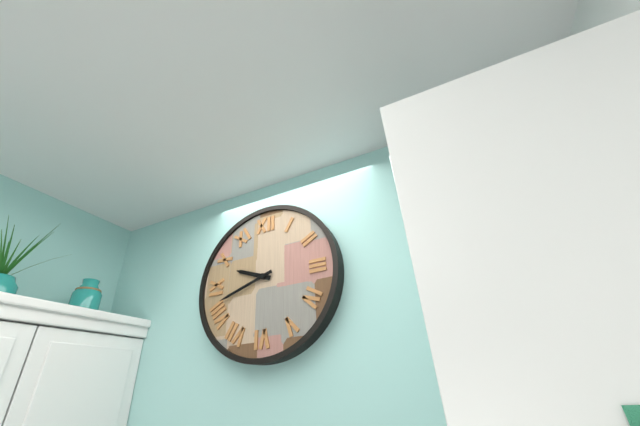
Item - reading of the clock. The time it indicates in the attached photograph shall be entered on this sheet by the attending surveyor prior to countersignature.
9:42
